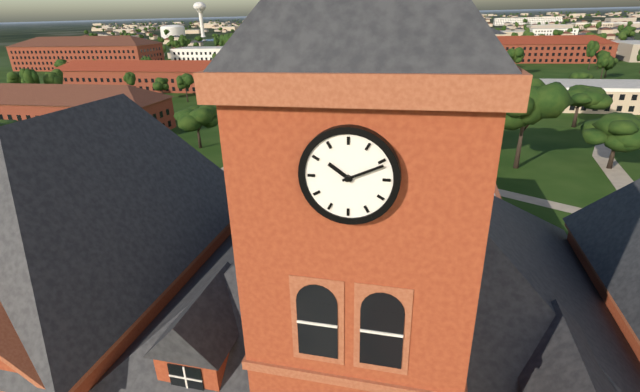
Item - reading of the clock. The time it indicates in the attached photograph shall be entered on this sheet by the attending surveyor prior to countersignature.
10:11
